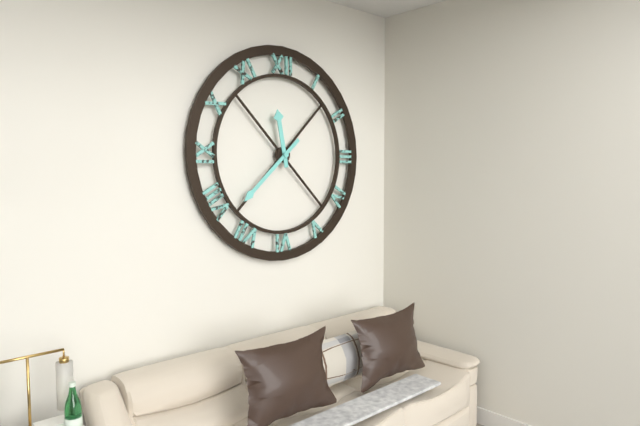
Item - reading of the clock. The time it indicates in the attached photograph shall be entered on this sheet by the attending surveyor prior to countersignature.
11:38
